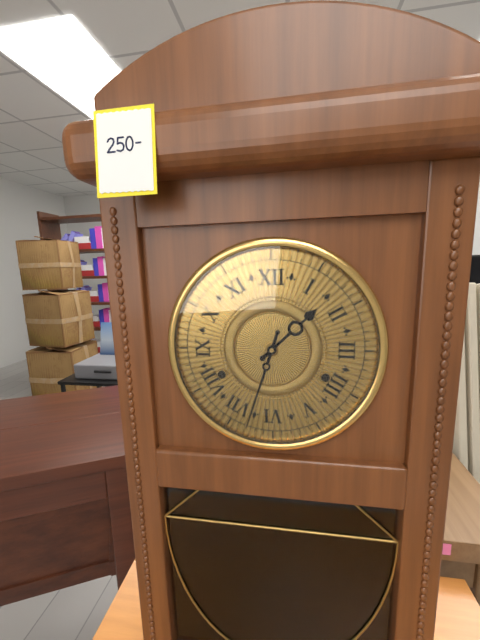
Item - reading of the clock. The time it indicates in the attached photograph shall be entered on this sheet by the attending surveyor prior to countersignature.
1:33
